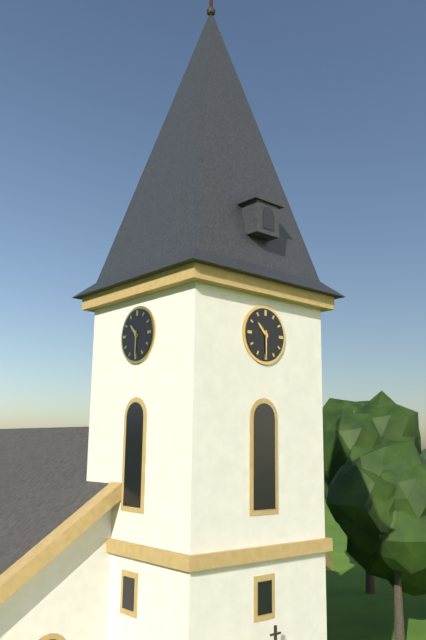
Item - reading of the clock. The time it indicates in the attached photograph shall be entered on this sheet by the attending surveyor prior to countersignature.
10:30
